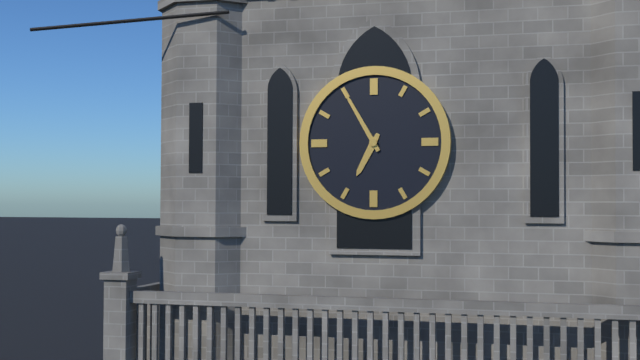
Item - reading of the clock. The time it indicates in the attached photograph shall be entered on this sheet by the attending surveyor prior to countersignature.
6:55
